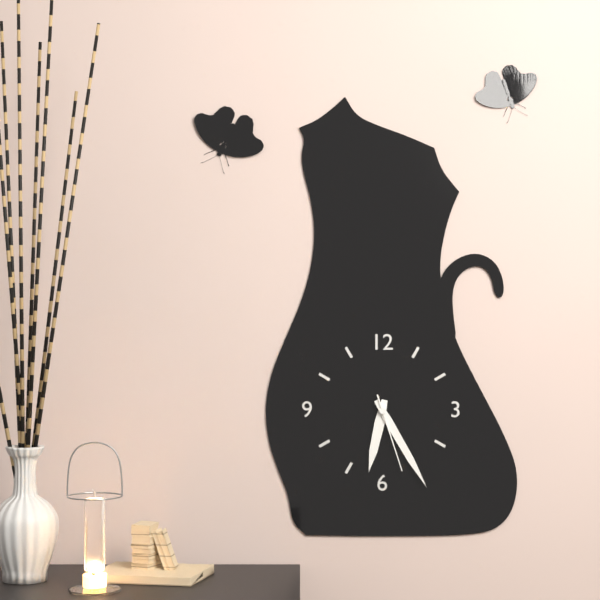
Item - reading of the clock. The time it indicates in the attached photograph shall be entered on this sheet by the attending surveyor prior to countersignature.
6:25:27
